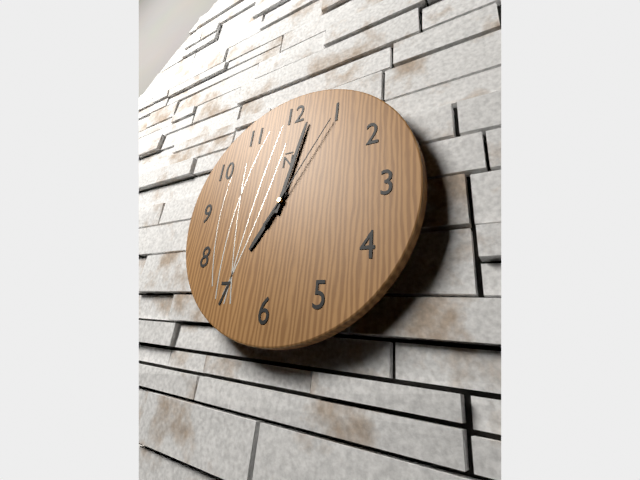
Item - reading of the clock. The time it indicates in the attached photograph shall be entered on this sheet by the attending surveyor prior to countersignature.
7:02:05
